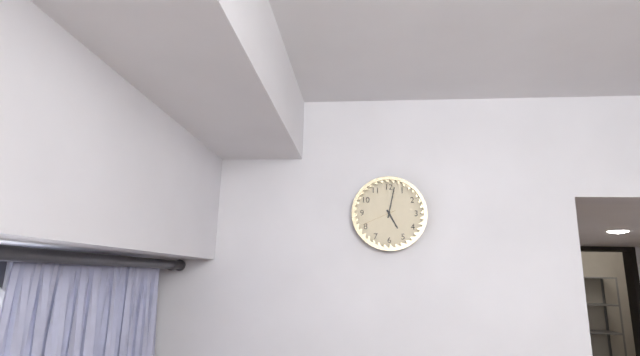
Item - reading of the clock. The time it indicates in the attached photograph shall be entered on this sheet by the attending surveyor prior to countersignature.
5:02
